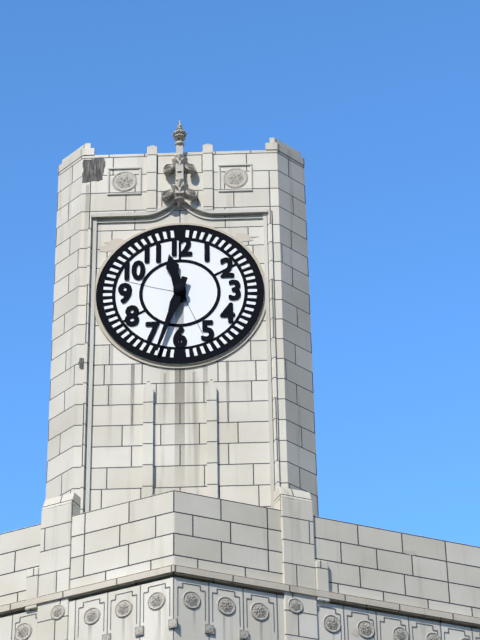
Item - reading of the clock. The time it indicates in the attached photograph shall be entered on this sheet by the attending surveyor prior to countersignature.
11:33
